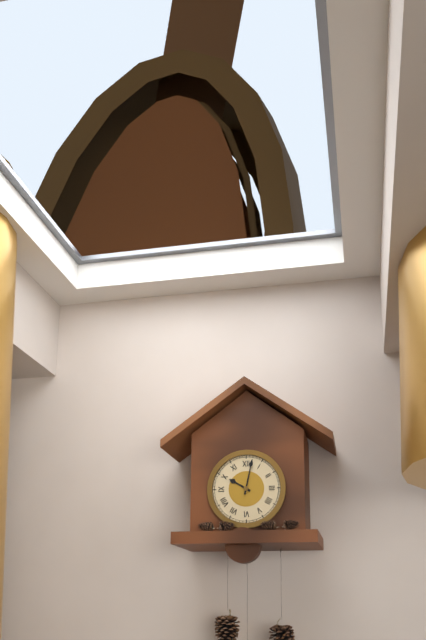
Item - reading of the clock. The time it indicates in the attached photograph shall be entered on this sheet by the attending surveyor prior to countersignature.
10:02
